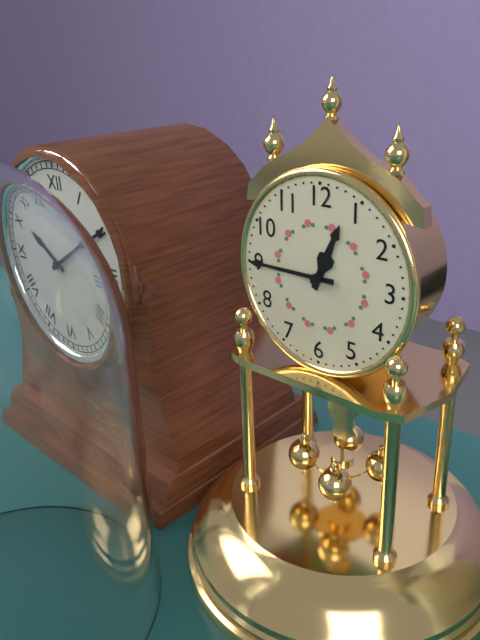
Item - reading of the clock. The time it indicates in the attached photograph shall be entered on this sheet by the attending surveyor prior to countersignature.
12:45
